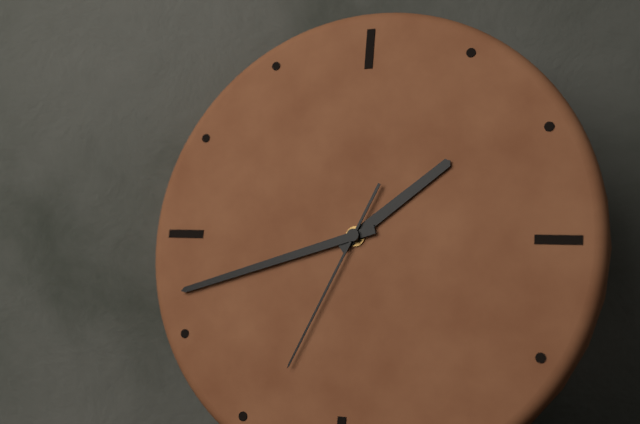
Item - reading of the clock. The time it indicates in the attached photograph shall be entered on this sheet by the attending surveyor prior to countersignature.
1:42:34
